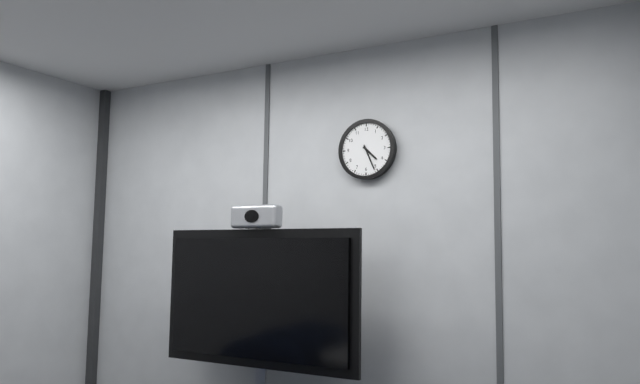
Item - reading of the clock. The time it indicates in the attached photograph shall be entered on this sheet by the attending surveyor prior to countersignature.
4:26
